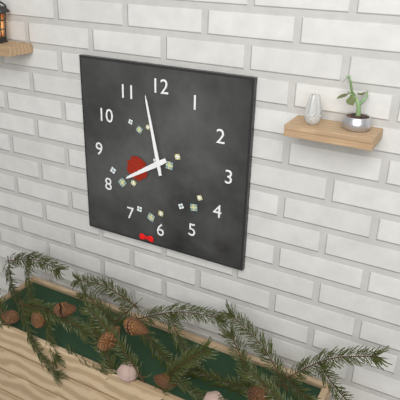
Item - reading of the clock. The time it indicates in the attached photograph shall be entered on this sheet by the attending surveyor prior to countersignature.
7:58
